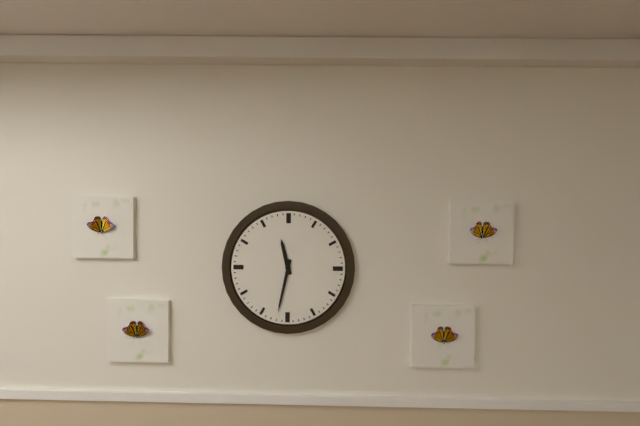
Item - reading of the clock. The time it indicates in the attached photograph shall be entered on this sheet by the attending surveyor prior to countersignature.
11:32
